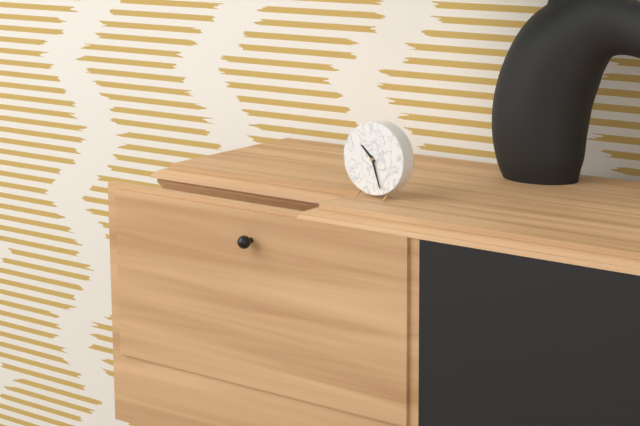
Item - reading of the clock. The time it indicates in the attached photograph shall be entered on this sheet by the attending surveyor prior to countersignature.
10:27
